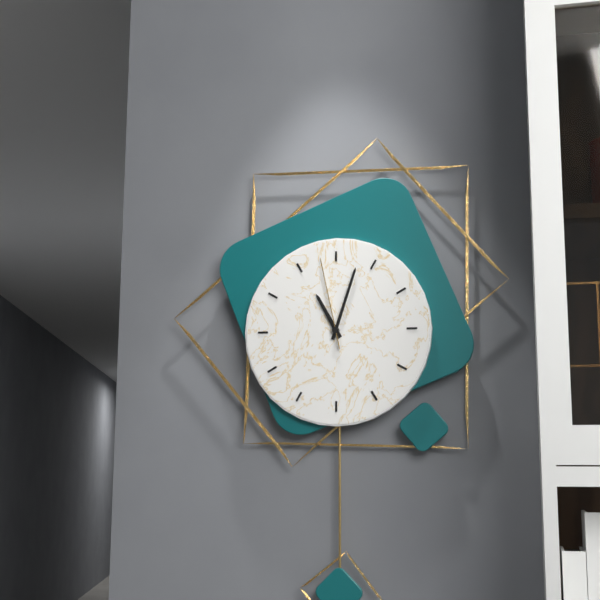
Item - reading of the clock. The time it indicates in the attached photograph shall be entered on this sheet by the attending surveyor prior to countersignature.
11:03:58
